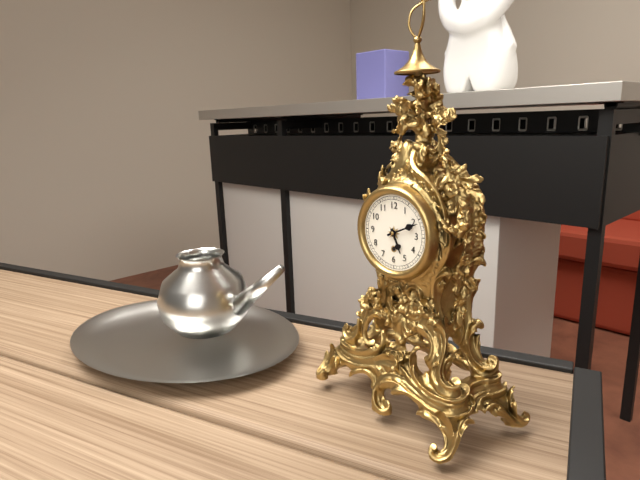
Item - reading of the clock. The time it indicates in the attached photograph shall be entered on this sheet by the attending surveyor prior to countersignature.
5:11
